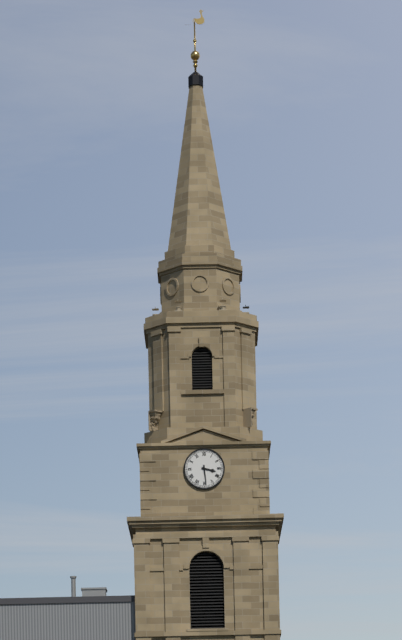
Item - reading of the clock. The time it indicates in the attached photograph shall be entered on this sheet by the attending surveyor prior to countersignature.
3:29
